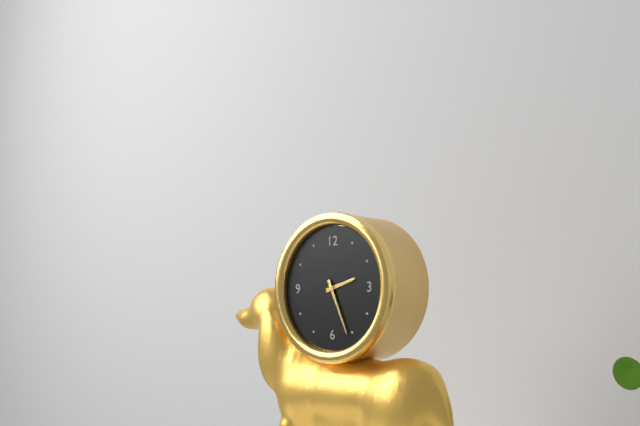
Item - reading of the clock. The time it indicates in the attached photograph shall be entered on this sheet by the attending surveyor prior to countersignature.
2:26
